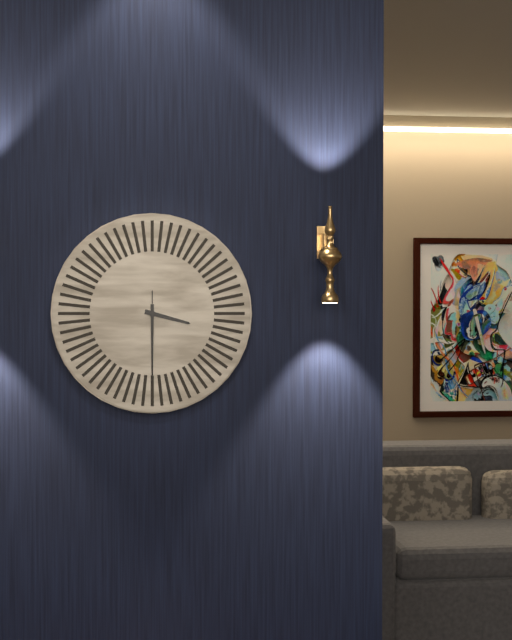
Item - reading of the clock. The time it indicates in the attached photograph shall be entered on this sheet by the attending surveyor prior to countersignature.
3:30:30
